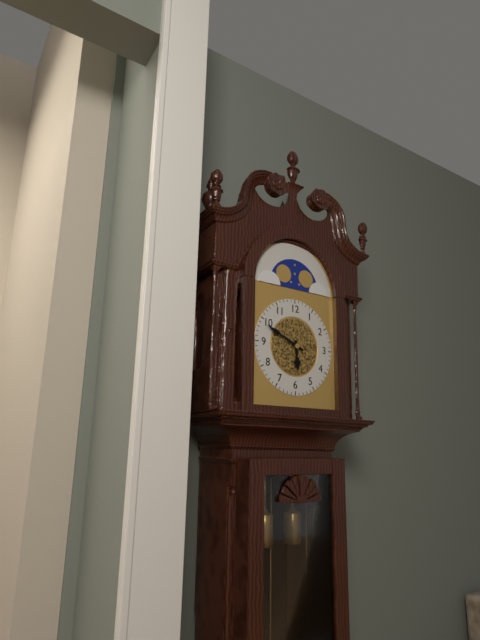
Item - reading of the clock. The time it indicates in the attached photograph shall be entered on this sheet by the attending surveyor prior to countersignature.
5:49
